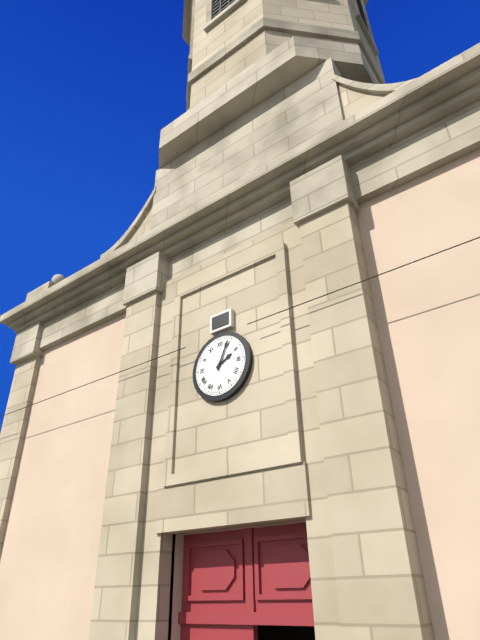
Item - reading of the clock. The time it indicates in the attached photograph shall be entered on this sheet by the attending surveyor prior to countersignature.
2:04
